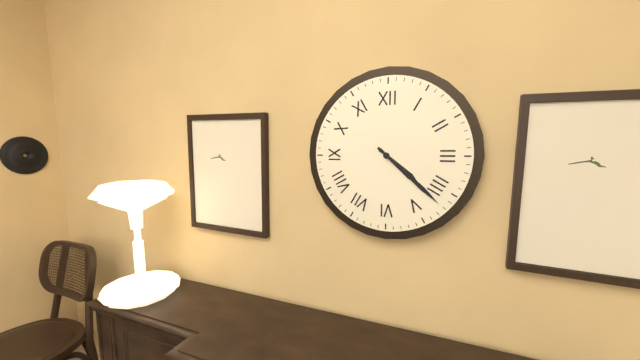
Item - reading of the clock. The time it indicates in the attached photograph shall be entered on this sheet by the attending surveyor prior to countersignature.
4:22
